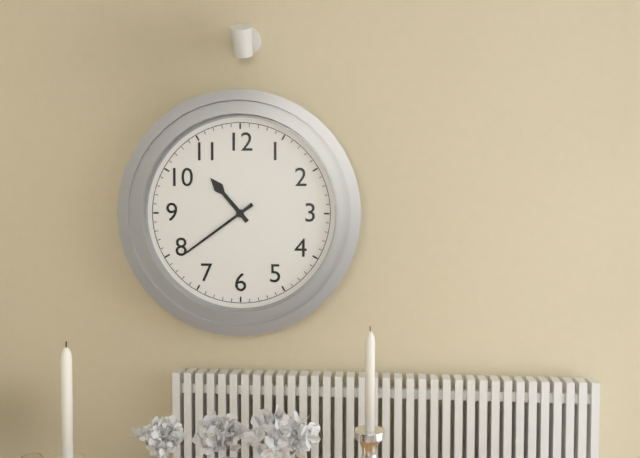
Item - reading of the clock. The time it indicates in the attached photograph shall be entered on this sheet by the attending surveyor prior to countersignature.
10:39
